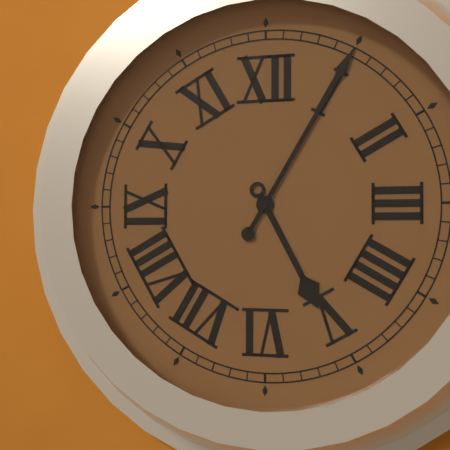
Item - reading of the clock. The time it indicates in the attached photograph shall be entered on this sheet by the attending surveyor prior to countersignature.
5:05
